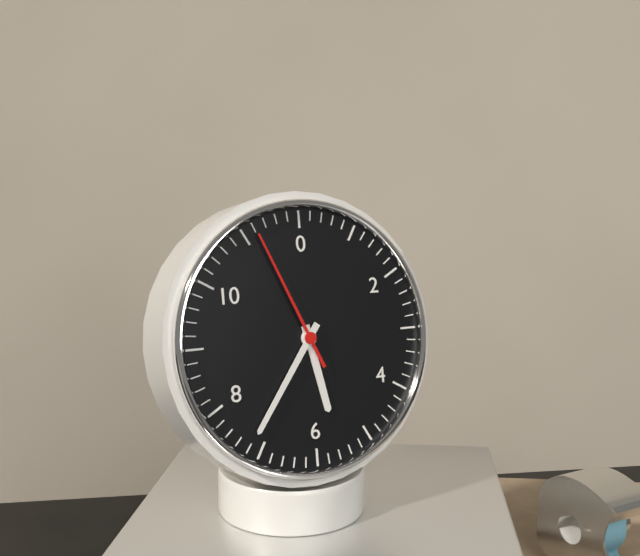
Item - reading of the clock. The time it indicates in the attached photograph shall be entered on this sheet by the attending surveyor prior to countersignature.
5:36:56
